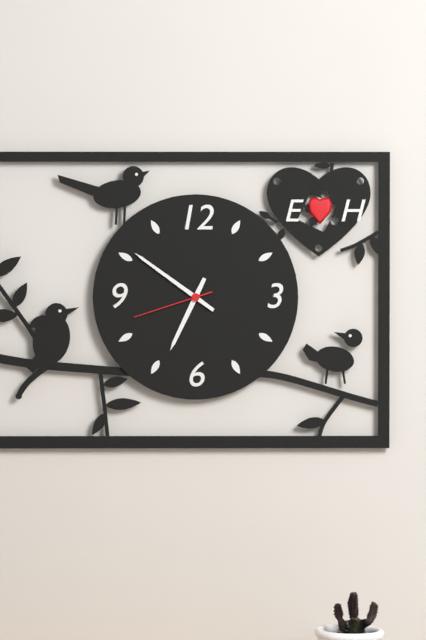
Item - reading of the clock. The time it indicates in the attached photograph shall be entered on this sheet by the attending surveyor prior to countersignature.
6:51:42
